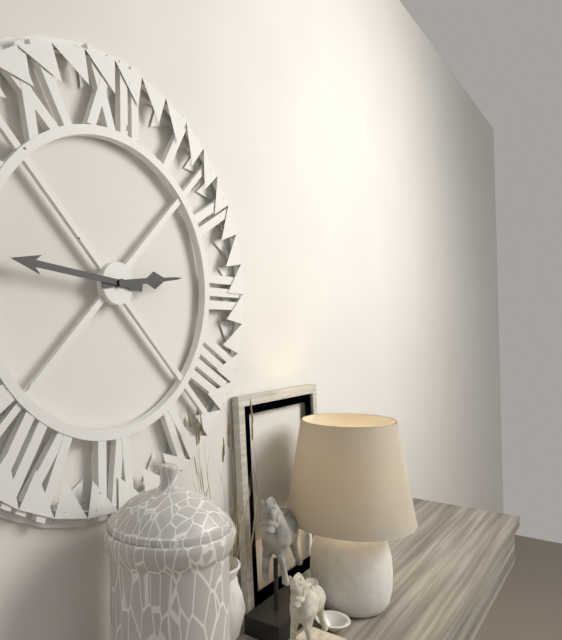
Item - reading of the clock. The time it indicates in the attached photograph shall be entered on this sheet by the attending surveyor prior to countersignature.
2:46
